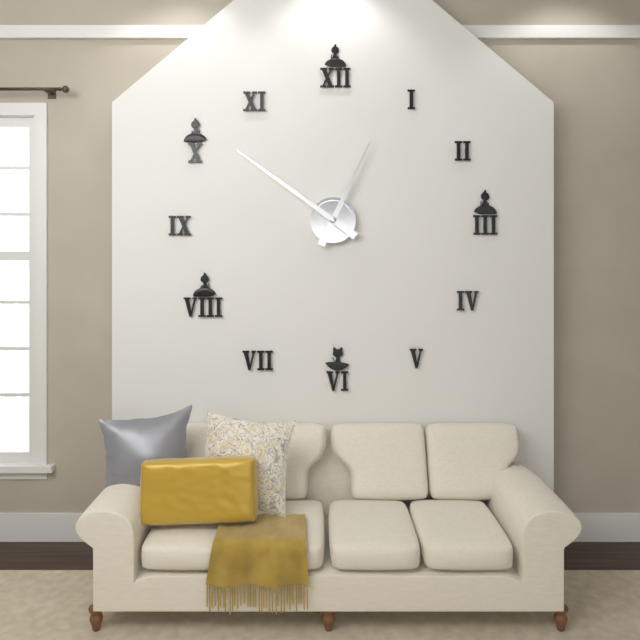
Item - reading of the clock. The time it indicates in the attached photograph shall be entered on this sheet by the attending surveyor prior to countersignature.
12:51
